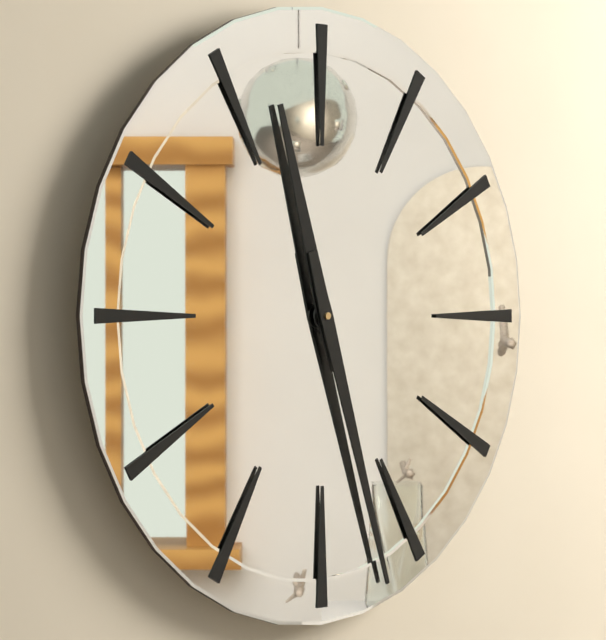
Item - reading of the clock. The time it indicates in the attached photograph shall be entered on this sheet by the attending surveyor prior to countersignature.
11:27
